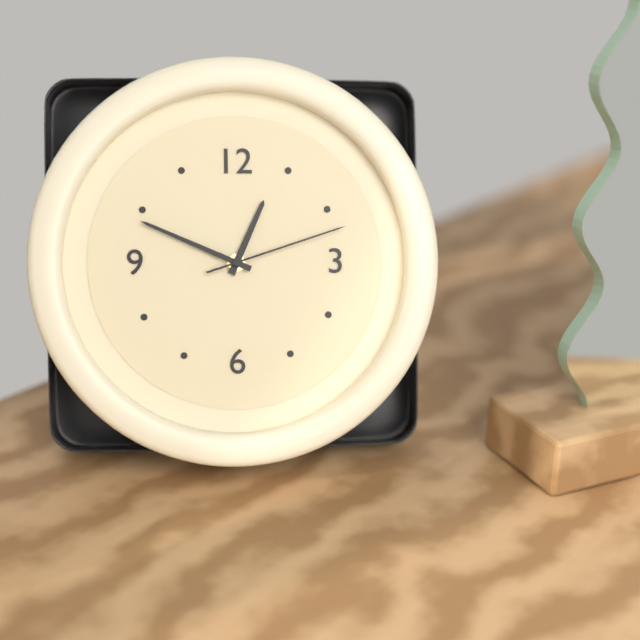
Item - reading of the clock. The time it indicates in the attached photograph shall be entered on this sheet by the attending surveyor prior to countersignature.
12:49:12
